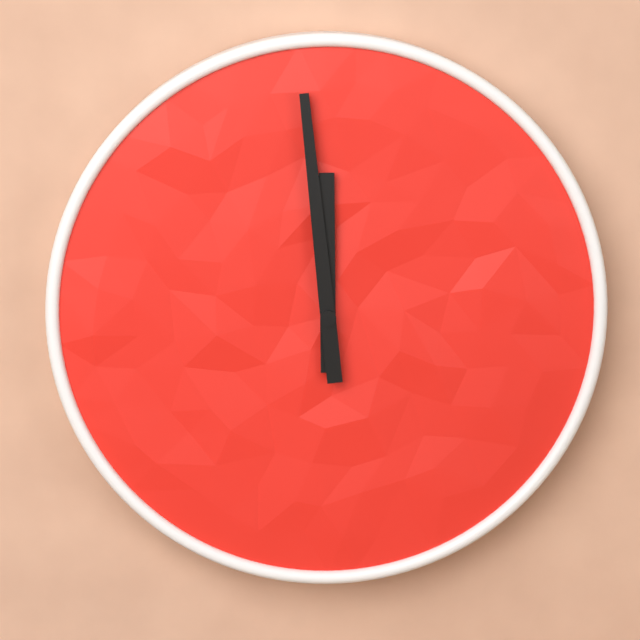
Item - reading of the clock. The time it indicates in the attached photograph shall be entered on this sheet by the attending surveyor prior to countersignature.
11:59
